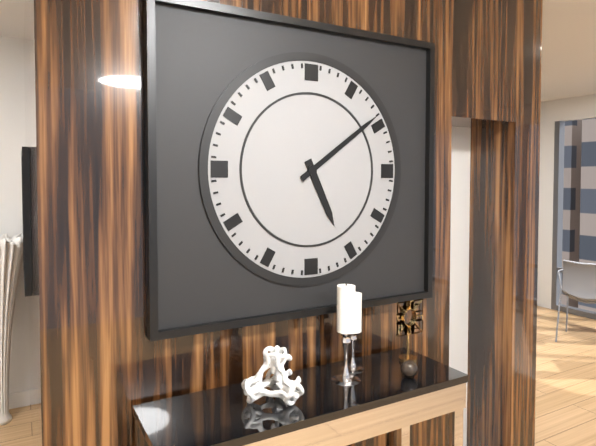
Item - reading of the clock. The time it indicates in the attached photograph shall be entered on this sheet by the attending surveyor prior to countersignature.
5:09
